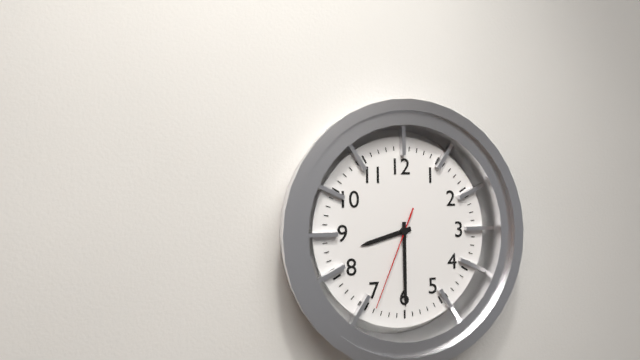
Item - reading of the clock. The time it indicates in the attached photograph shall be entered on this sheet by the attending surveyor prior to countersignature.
8:30:34
